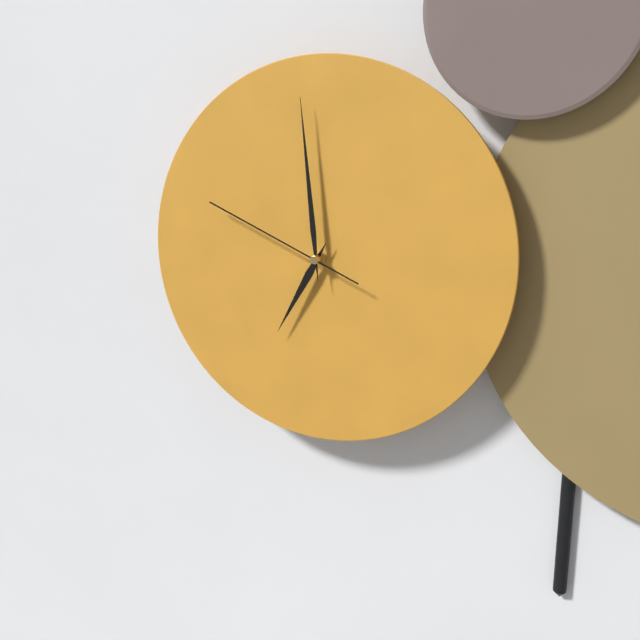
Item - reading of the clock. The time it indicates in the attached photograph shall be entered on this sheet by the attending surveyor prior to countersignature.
6:59:49
